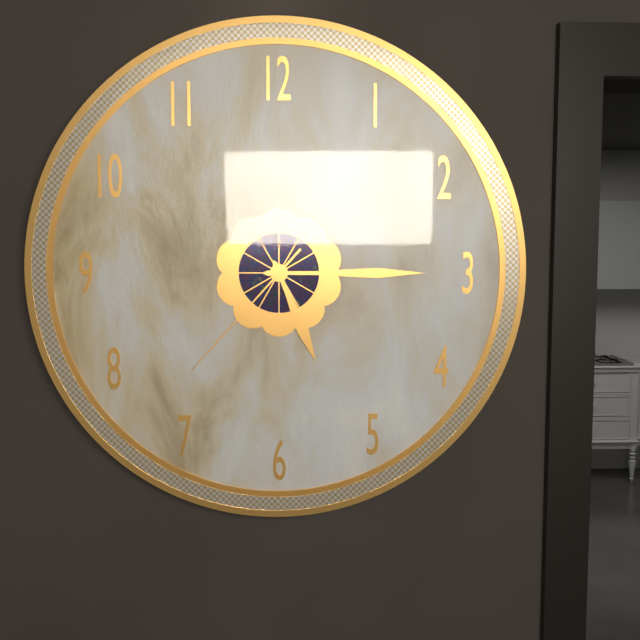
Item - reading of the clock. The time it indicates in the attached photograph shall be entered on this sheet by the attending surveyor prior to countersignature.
5:15:37
